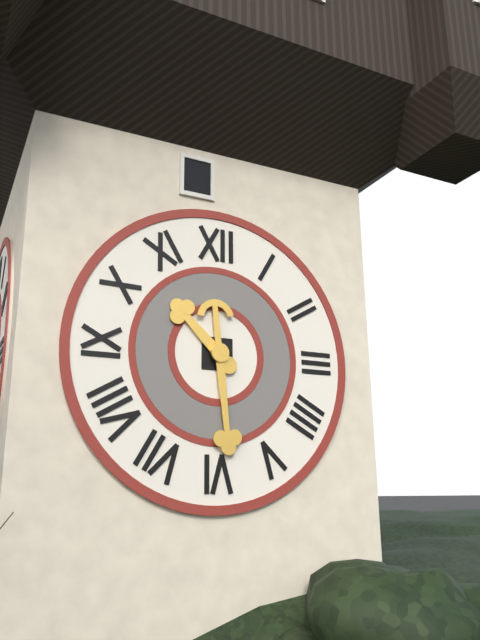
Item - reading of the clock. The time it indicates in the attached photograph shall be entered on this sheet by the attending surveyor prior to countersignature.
10:29
